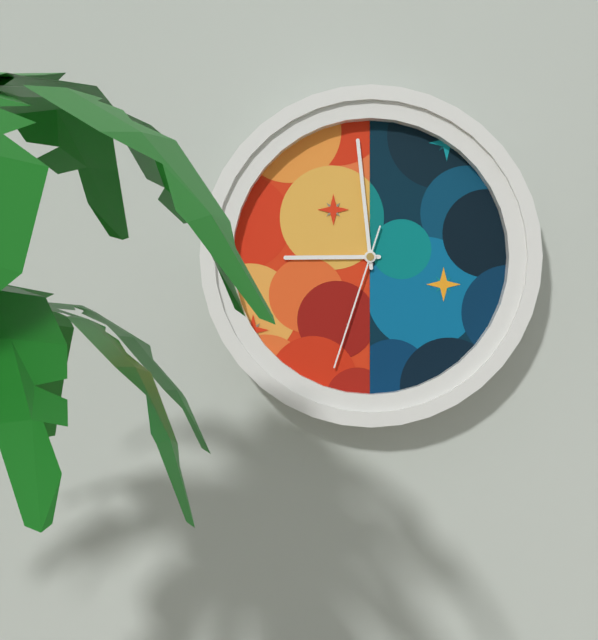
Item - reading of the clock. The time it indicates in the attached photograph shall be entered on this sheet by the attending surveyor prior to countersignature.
8:59:33
